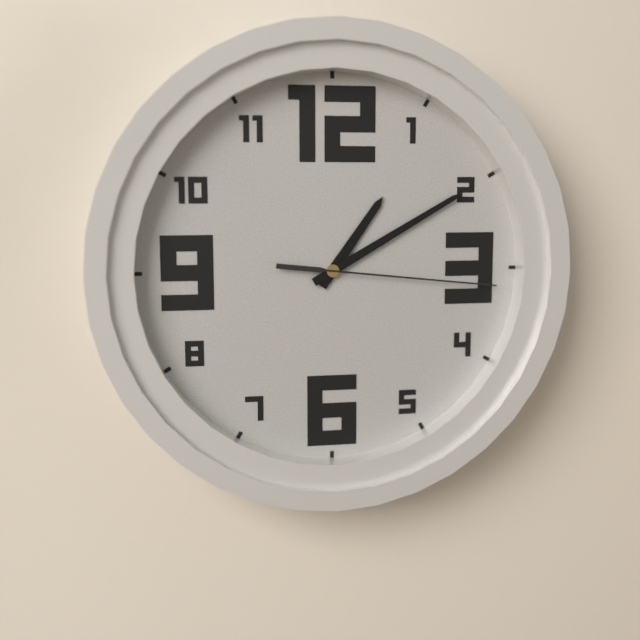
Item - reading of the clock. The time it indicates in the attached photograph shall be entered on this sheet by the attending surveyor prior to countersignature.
1:10:16
